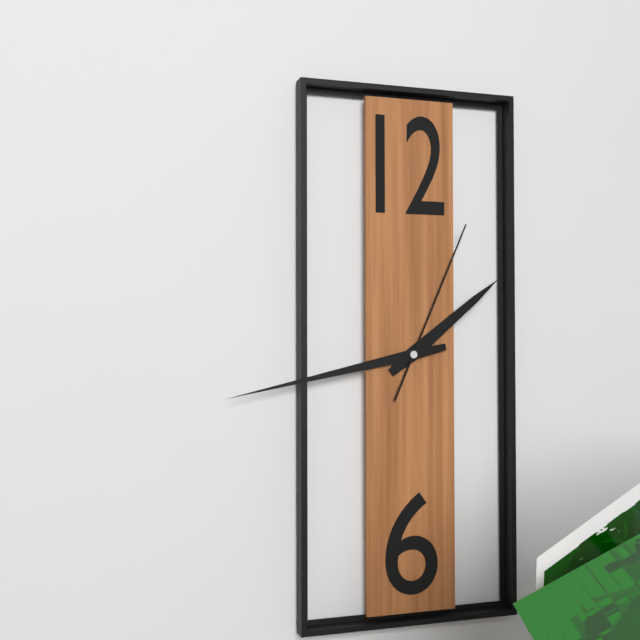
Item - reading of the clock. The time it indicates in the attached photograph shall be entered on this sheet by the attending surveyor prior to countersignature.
1:43:04
